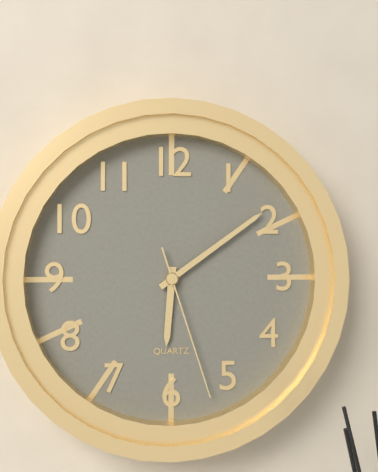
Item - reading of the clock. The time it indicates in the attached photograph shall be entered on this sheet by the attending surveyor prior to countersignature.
6:09:27
